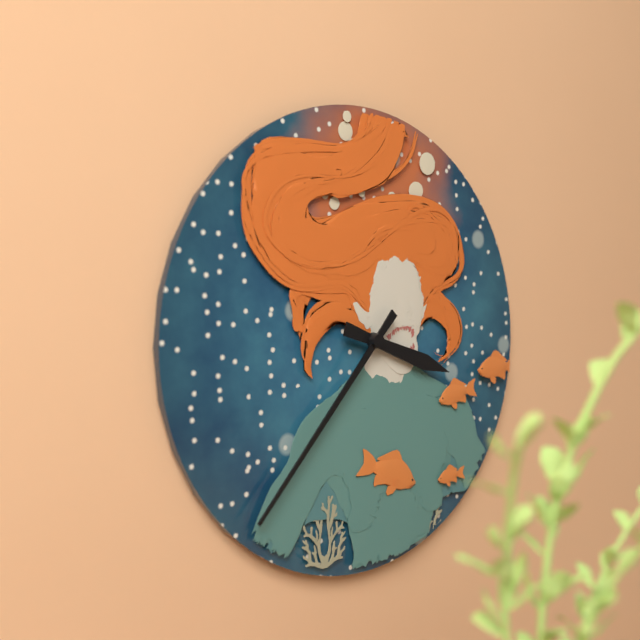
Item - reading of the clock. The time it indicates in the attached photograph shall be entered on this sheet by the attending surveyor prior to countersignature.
3:37
